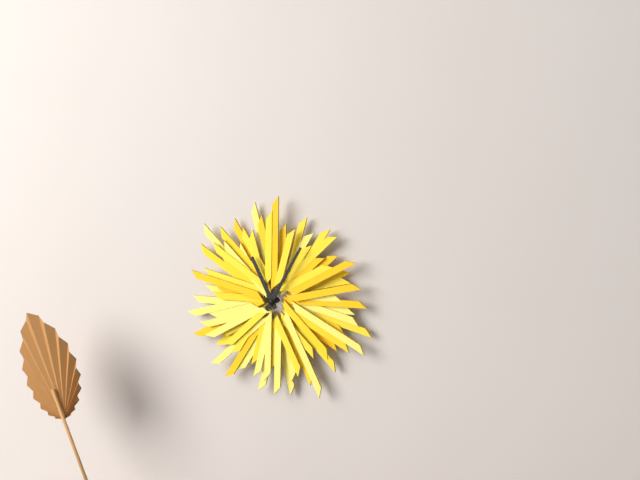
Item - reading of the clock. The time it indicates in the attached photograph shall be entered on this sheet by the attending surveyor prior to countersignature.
11:05
